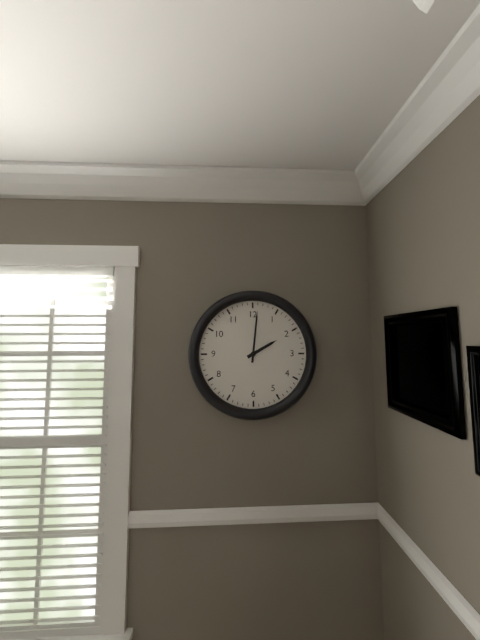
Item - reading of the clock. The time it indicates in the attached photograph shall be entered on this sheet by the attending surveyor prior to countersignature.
2:01
